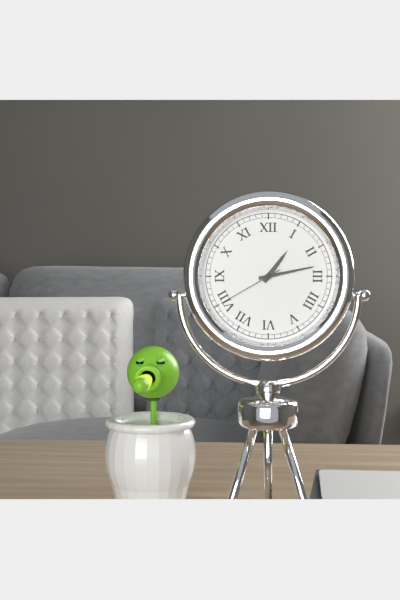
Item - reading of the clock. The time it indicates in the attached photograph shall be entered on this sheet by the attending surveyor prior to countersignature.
1:13:40
